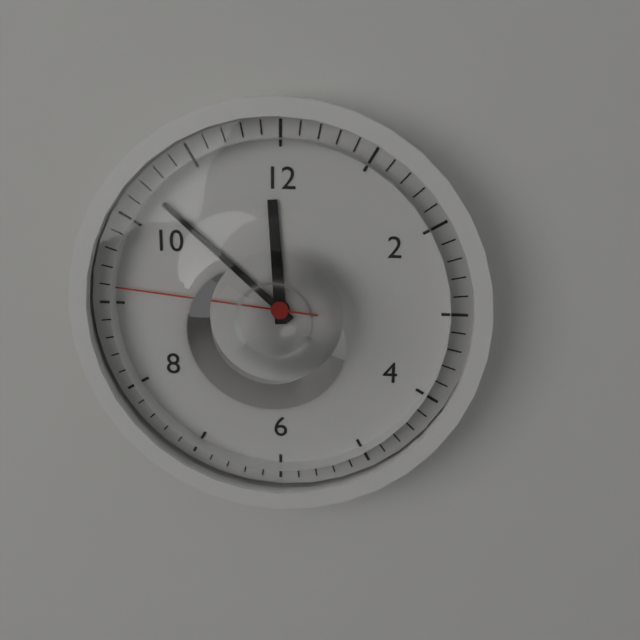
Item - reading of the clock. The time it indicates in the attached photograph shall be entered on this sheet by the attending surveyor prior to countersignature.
11:52:46
